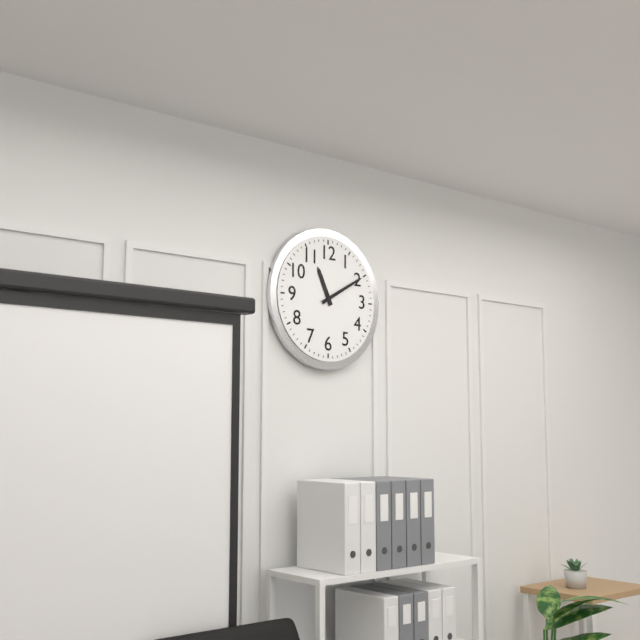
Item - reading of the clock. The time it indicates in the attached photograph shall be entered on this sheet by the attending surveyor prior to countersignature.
11:10
